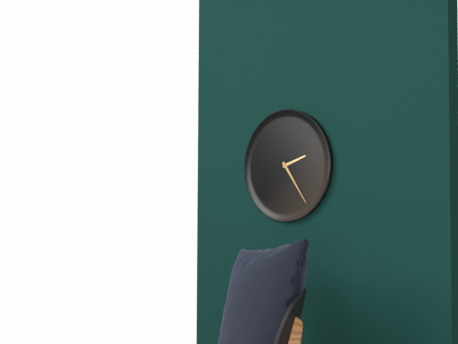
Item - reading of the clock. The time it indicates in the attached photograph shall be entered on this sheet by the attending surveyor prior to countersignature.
2:24
